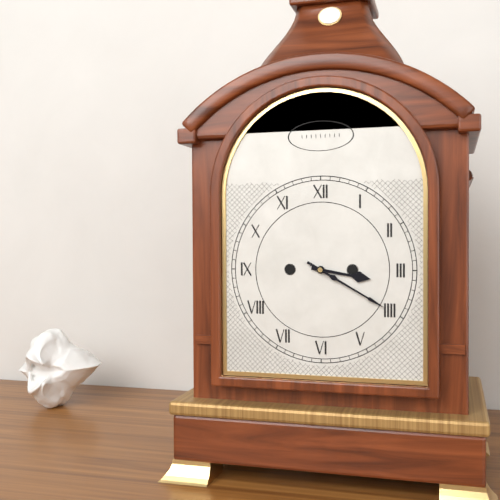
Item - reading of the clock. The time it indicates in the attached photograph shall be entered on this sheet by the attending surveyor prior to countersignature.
3:20
